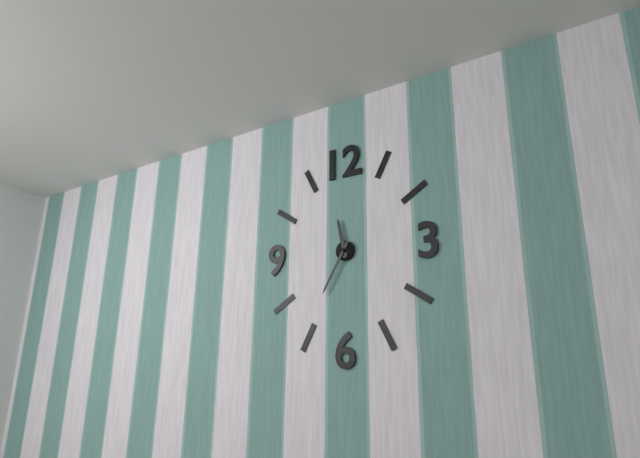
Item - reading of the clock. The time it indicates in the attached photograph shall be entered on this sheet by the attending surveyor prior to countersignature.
11:35
